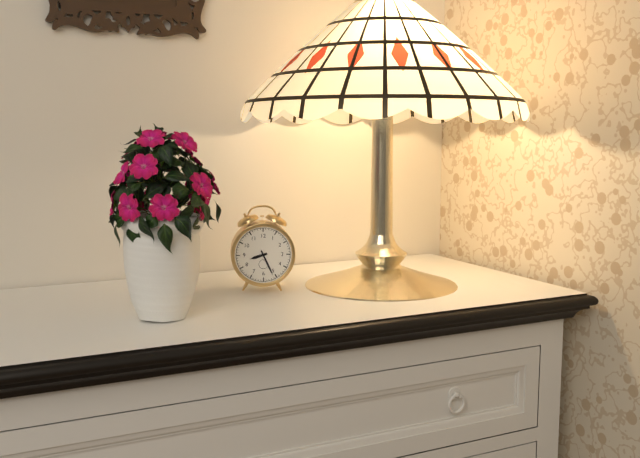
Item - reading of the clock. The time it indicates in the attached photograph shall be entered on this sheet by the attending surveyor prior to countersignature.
8:26
